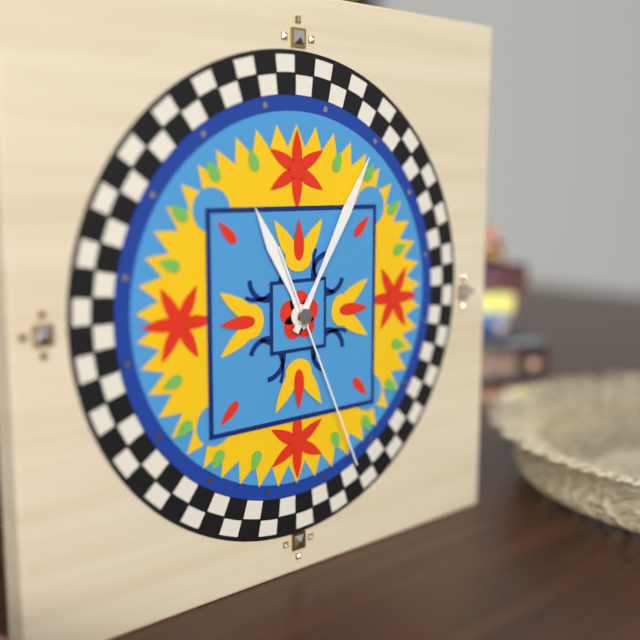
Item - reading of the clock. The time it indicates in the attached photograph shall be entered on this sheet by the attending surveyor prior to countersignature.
11:05:26
